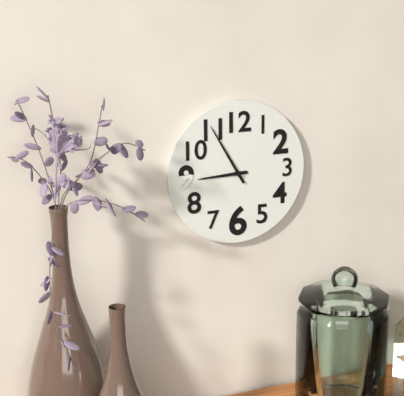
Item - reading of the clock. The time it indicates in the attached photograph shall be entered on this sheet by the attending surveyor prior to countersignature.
8:55
